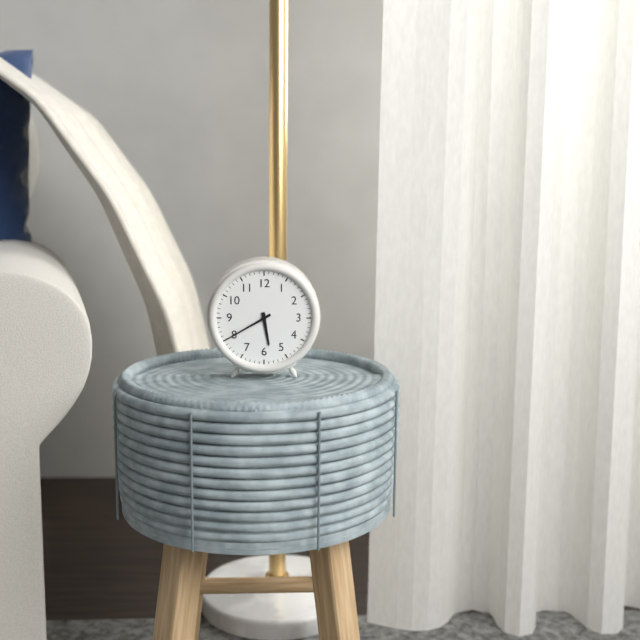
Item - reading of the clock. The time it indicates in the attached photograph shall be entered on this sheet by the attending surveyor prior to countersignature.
5:40
